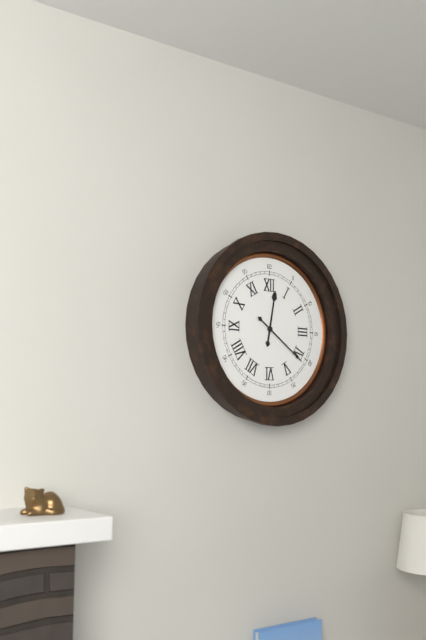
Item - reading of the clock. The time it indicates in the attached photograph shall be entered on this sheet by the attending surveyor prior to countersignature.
12:21
